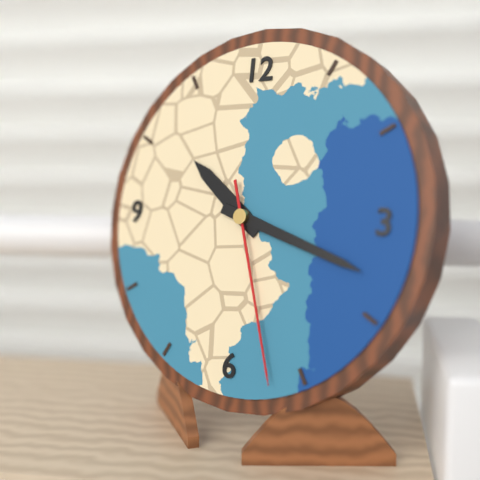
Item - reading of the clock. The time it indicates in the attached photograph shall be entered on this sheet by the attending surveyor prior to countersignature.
10:18:27
